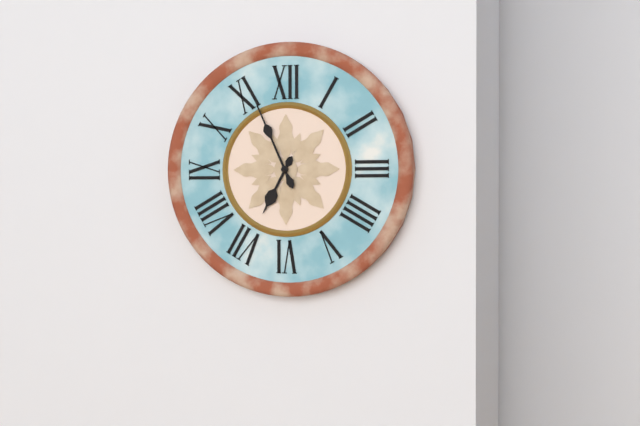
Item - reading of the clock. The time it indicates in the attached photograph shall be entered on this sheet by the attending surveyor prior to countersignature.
6:56
